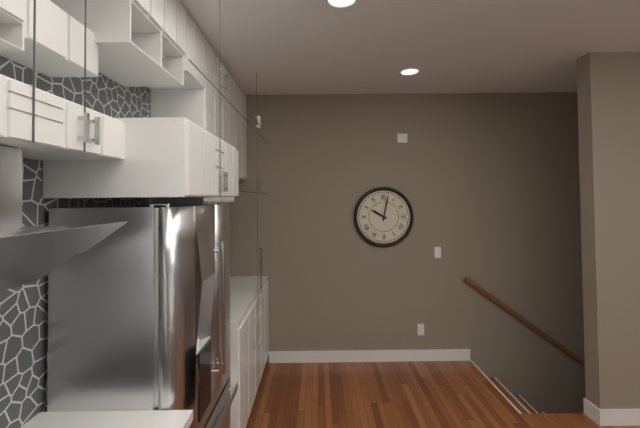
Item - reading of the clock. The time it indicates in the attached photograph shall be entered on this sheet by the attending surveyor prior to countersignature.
10:02
